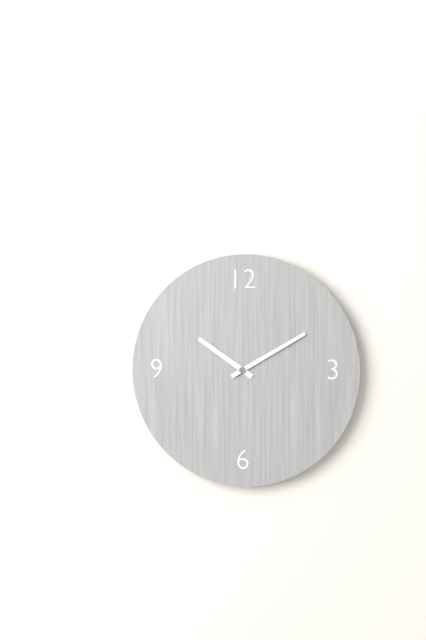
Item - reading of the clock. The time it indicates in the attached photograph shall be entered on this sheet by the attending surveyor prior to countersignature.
10:10
